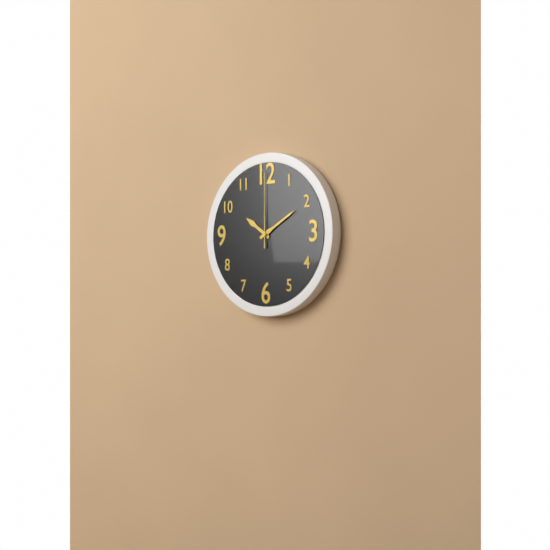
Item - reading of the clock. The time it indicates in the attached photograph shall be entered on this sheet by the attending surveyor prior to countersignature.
10:10:00
